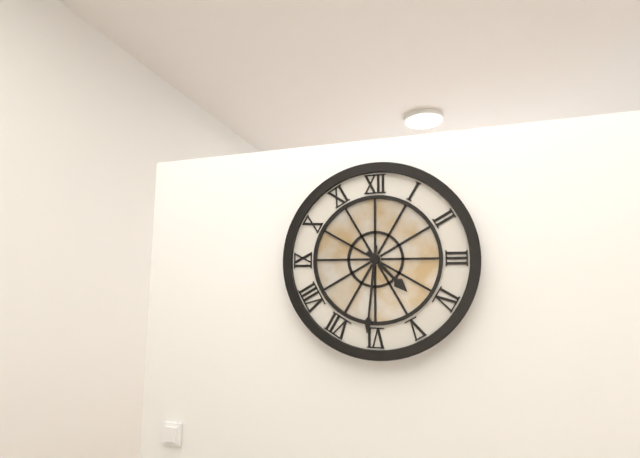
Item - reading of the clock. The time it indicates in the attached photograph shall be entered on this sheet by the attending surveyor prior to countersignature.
4:31
